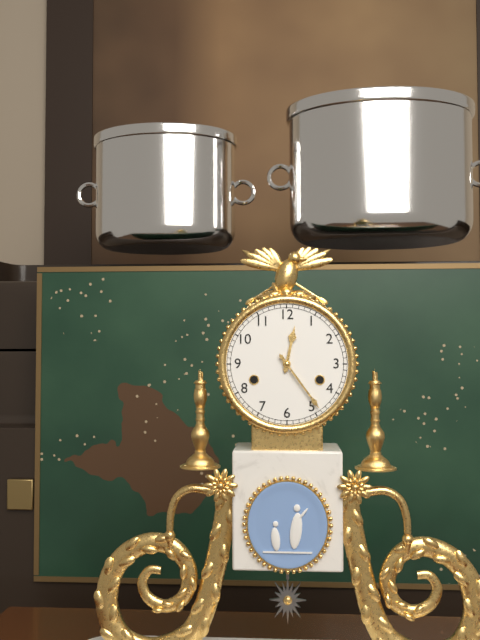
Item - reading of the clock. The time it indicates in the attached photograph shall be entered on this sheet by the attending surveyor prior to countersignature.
12:24
